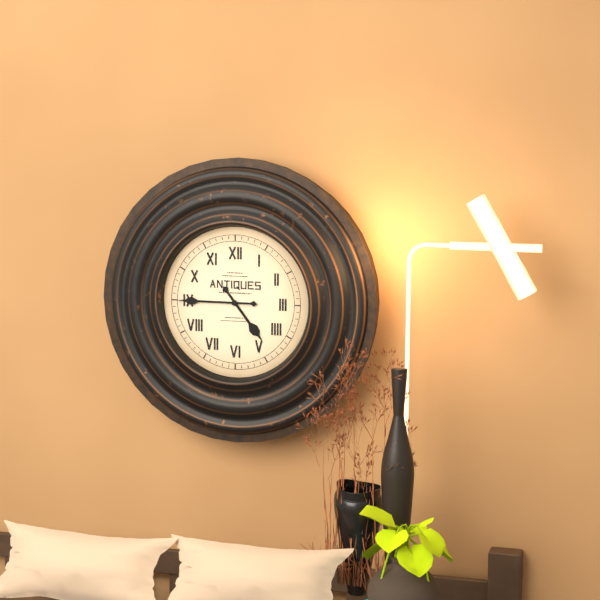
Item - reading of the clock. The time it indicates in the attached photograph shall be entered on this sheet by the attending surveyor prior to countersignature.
4:45
